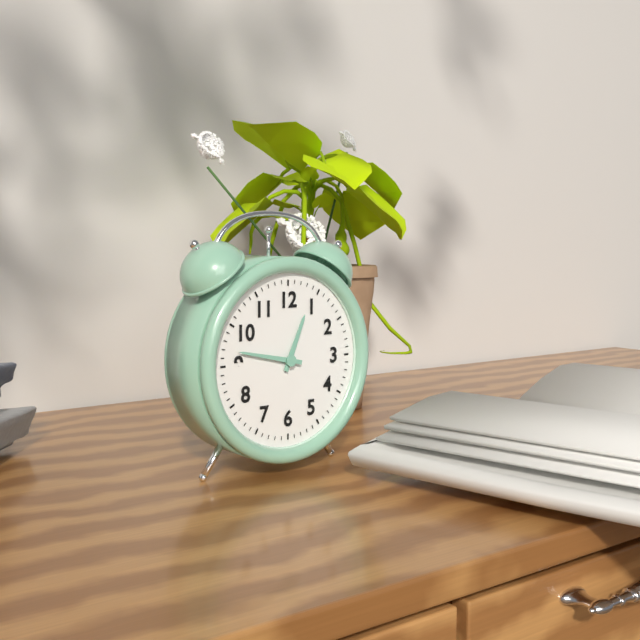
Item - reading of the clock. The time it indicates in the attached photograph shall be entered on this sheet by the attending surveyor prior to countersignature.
12:47
